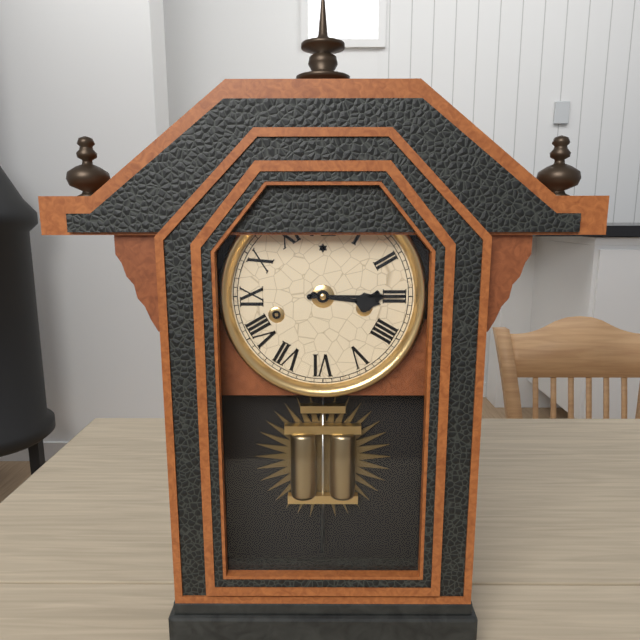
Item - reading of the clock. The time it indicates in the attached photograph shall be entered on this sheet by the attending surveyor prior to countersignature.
3:15
